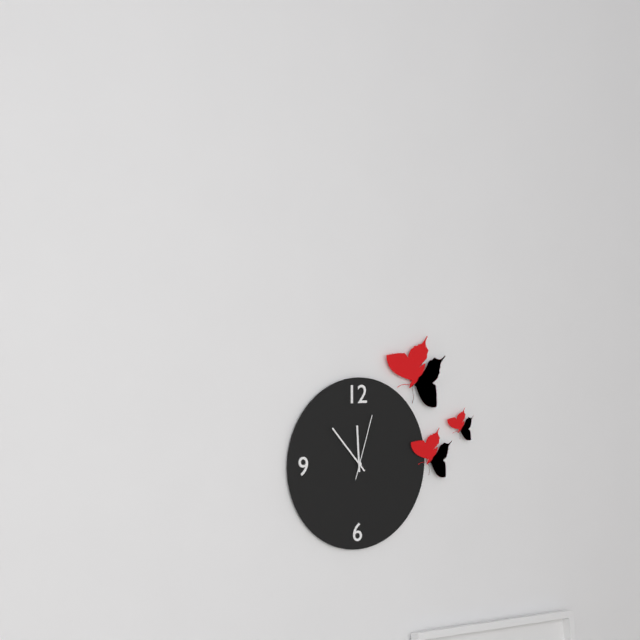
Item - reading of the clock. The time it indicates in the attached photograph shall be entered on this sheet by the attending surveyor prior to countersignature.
11:53:03
